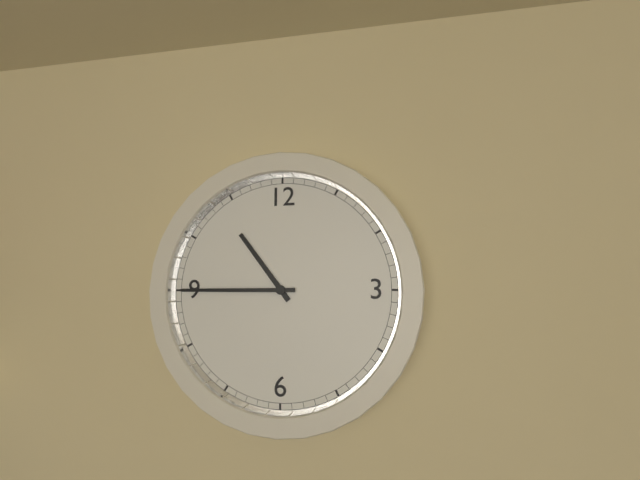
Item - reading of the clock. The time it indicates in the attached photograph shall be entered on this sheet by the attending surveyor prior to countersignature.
10:45
